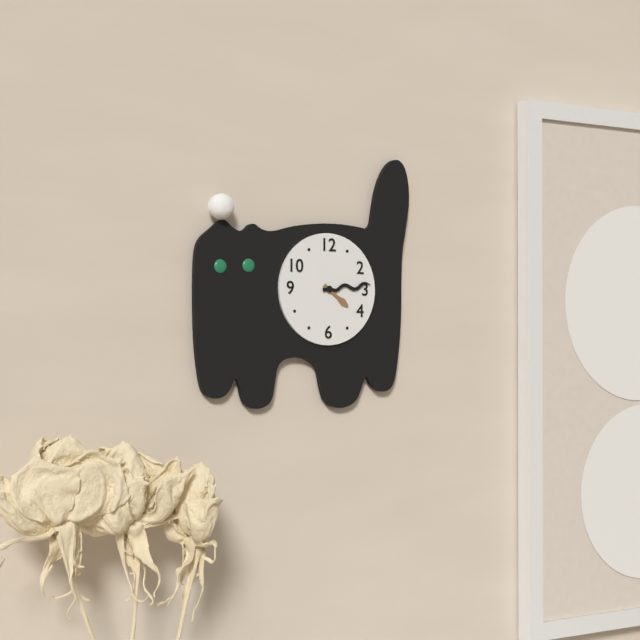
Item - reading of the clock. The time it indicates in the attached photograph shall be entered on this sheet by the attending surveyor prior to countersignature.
4:14
